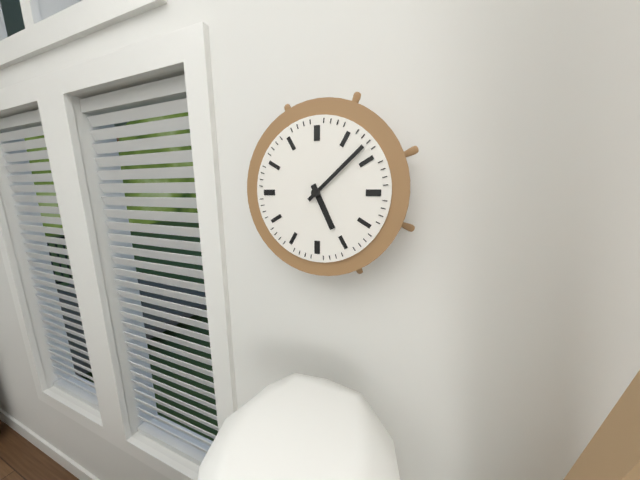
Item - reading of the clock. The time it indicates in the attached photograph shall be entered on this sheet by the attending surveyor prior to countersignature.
5:08
